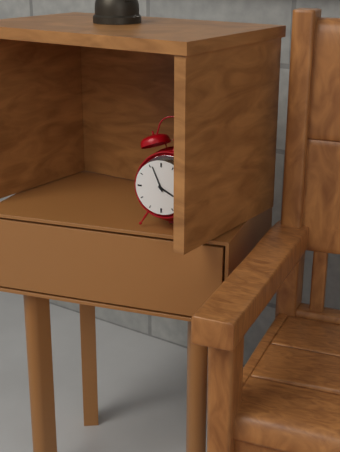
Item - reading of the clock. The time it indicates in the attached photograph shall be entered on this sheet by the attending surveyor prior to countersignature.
3:56
